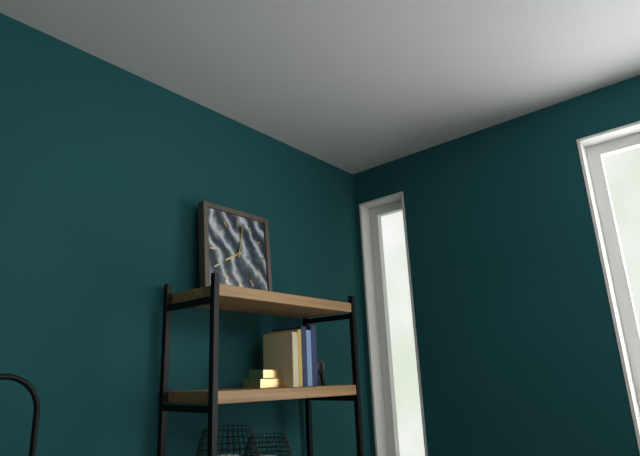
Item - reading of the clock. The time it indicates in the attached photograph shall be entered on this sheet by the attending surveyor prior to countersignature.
8:02
